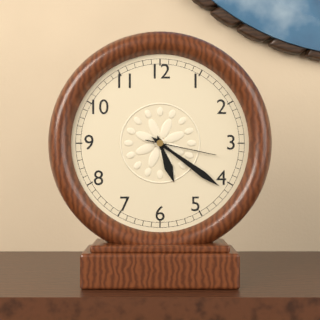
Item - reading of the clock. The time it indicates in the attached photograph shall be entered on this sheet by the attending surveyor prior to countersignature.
5:21:17
